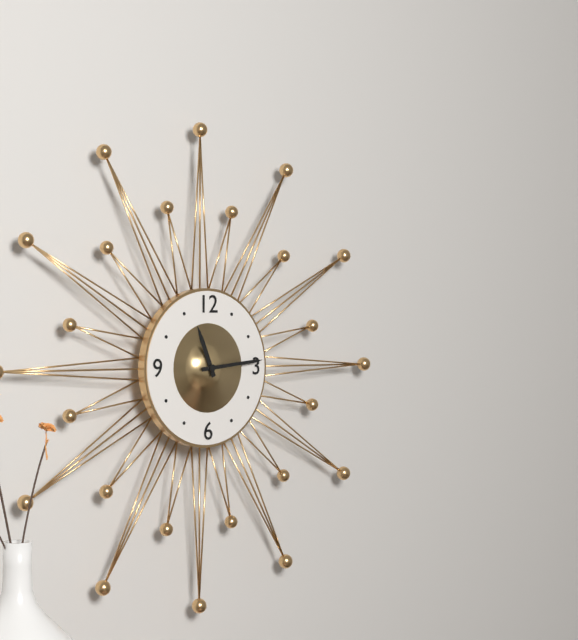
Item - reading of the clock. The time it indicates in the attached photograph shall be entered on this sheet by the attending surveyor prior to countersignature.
11:14
